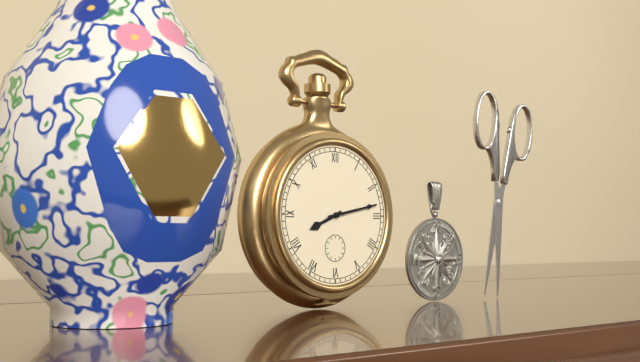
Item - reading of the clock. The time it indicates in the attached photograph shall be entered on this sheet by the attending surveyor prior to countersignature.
8:13
